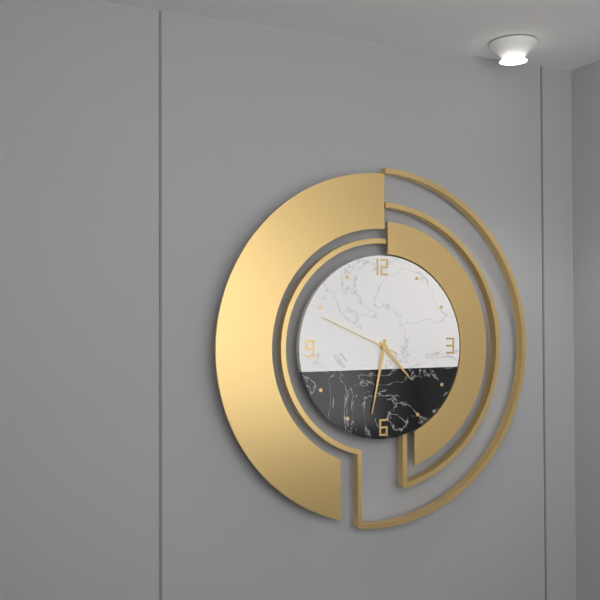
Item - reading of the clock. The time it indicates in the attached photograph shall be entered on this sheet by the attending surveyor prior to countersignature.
4:32:49
